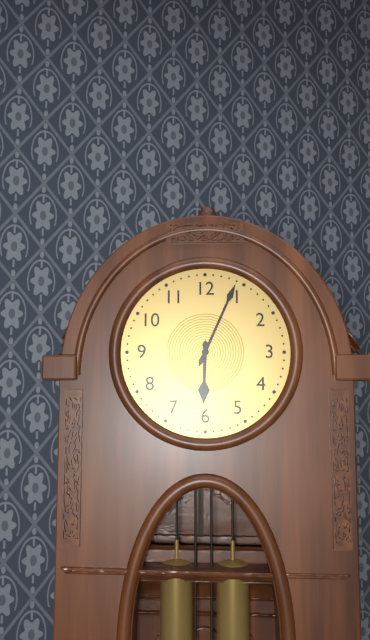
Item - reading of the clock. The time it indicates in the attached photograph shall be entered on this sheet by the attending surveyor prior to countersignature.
6:04
